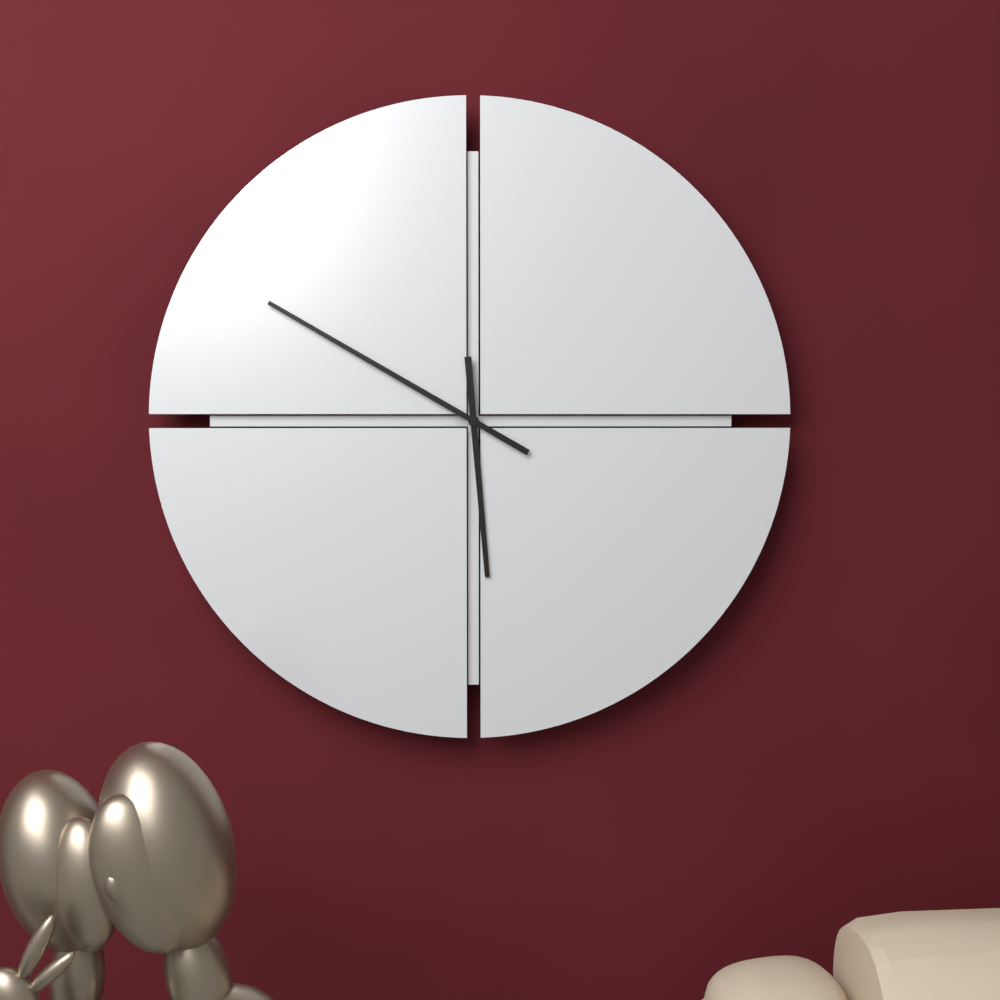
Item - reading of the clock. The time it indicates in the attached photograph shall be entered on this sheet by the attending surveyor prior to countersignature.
5:50
